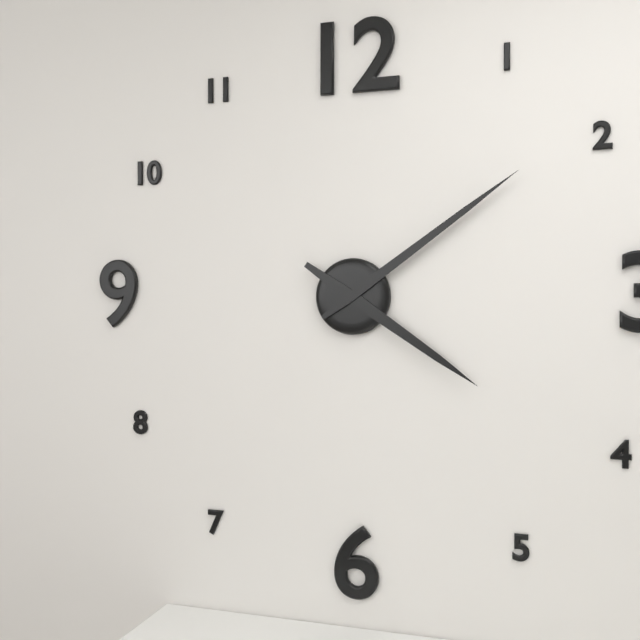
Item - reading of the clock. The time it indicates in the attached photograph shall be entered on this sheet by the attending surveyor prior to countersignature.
4:09
